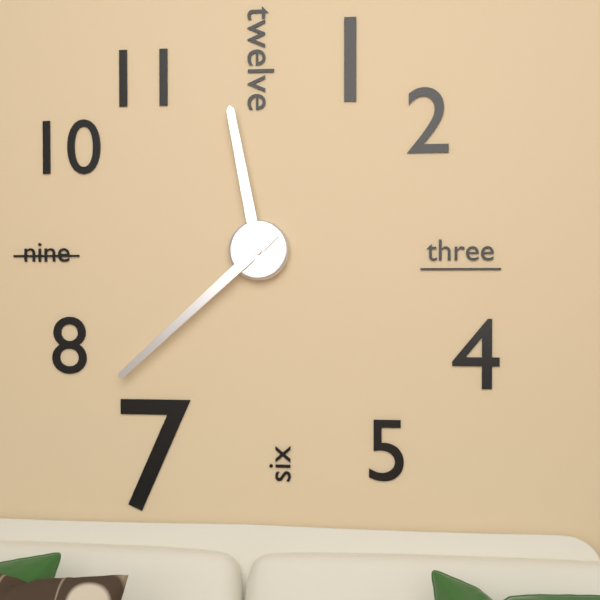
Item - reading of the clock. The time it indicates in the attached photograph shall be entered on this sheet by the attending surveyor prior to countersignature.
11:38
